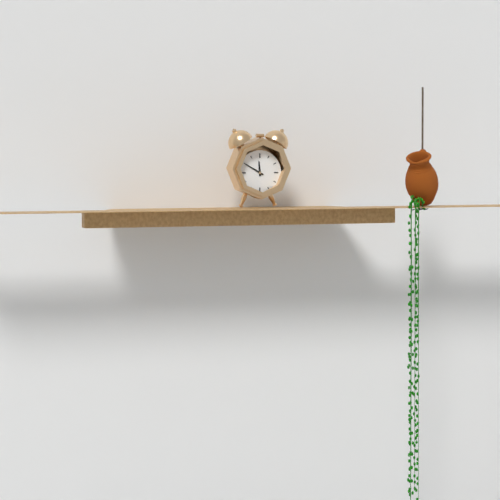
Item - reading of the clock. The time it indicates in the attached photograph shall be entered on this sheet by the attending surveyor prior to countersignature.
11:50
